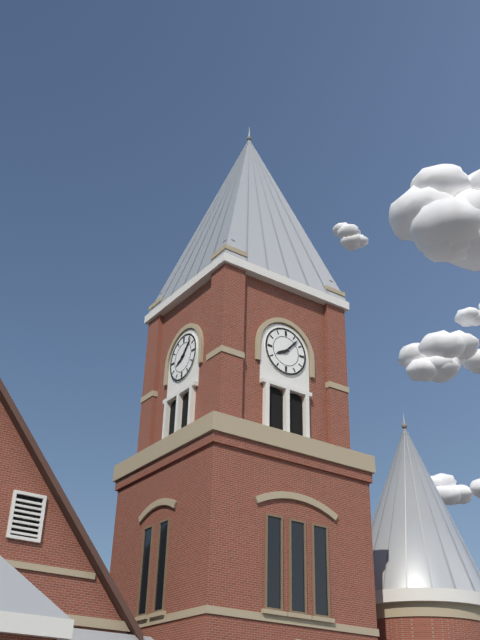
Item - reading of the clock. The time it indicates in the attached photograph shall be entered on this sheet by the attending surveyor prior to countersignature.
8:07
